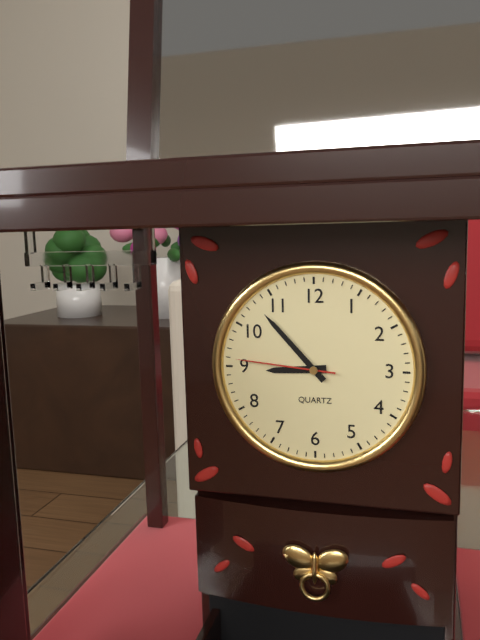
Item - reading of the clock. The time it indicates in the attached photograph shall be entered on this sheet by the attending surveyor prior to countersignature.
8:53:46
